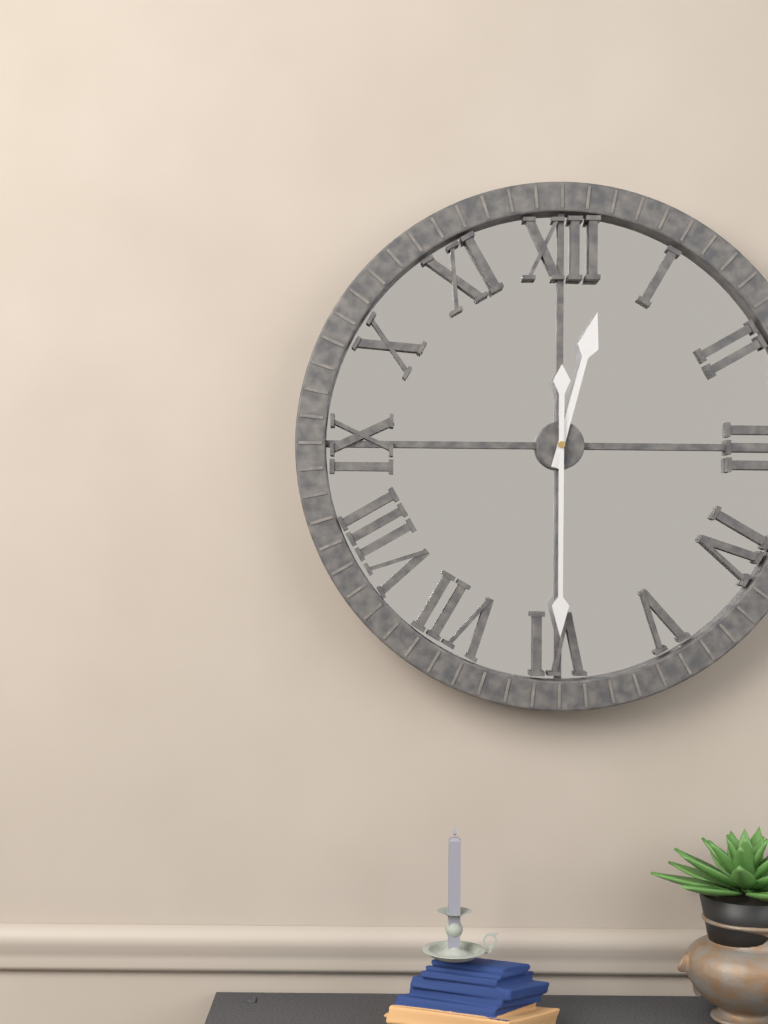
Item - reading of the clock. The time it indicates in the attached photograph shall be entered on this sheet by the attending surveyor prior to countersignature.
12:30
